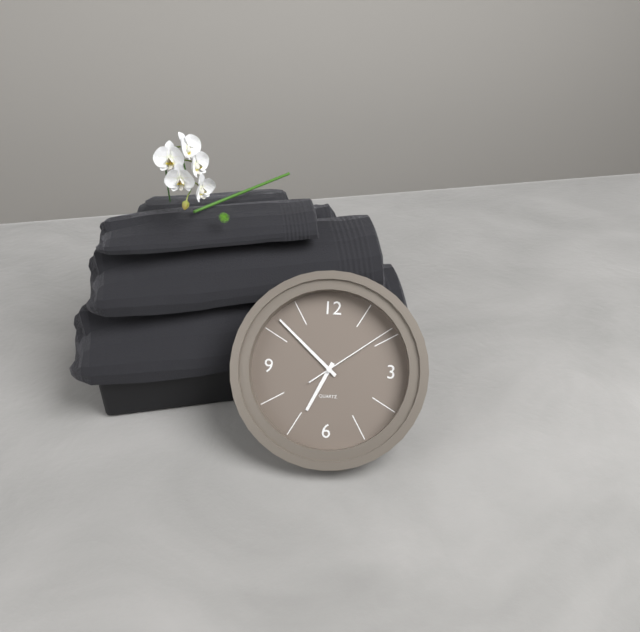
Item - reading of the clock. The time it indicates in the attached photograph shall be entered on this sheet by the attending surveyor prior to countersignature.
6:52:09
